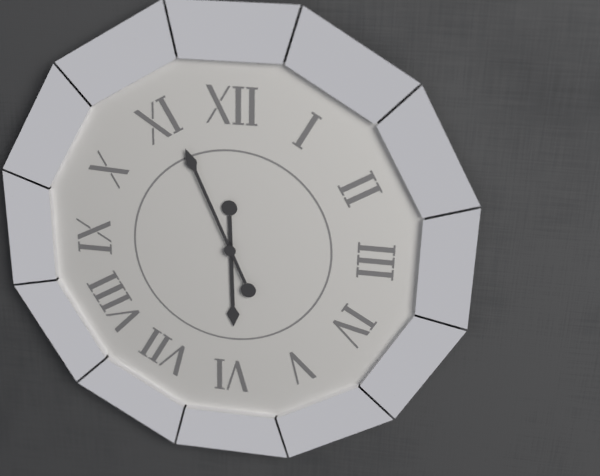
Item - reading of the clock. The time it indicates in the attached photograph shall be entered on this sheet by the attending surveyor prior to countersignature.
5:56
